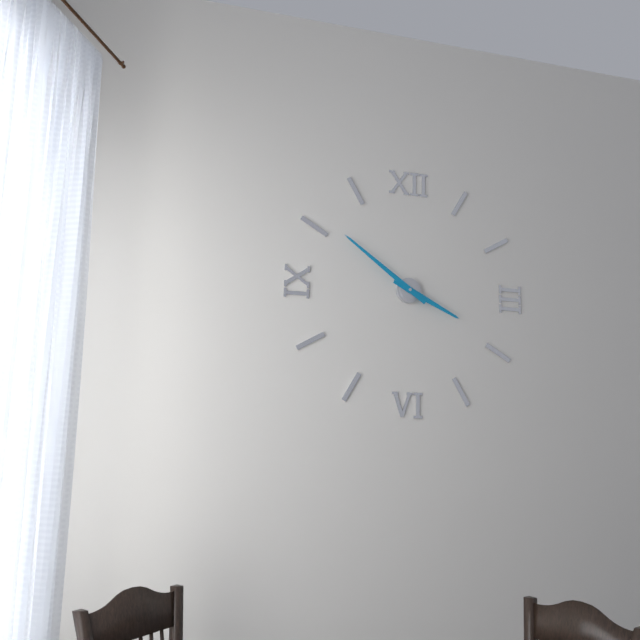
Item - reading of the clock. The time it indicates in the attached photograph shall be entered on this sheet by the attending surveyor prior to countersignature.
3:51
